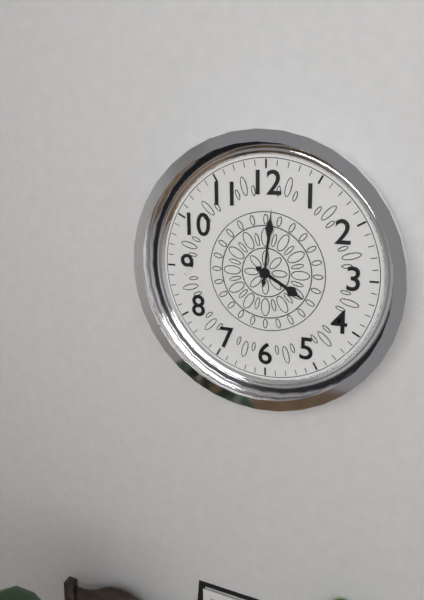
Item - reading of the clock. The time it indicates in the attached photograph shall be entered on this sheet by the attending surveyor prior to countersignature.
4:01
